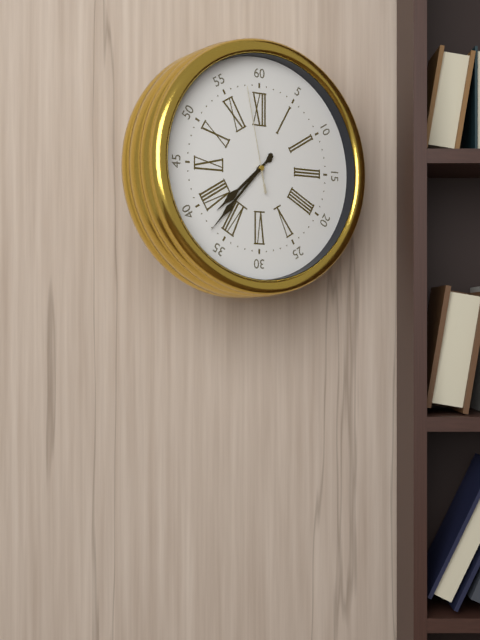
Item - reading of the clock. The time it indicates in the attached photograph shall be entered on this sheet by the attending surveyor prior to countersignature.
7:37:58
